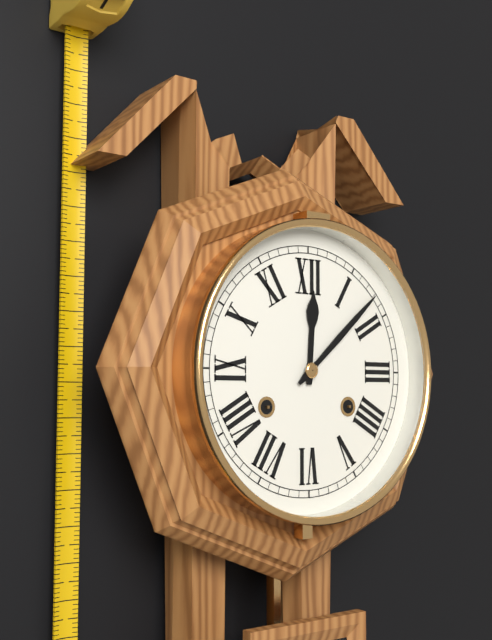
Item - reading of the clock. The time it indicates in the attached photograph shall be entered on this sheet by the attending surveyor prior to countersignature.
12:08
